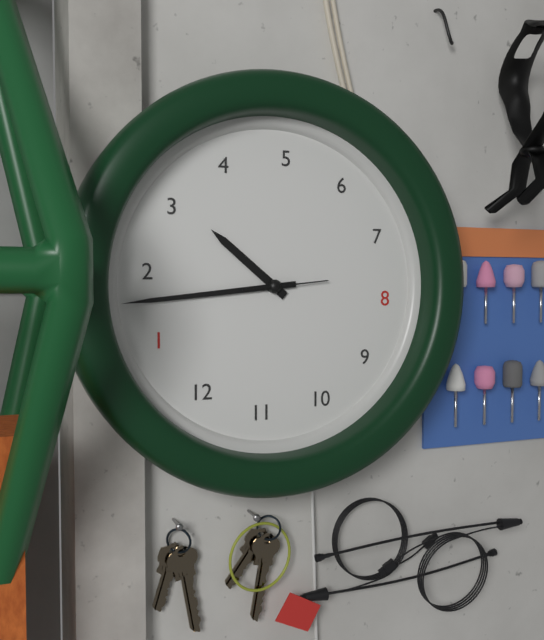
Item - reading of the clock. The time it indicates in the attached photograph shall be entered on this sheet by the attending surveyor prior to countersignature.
3:08:38
